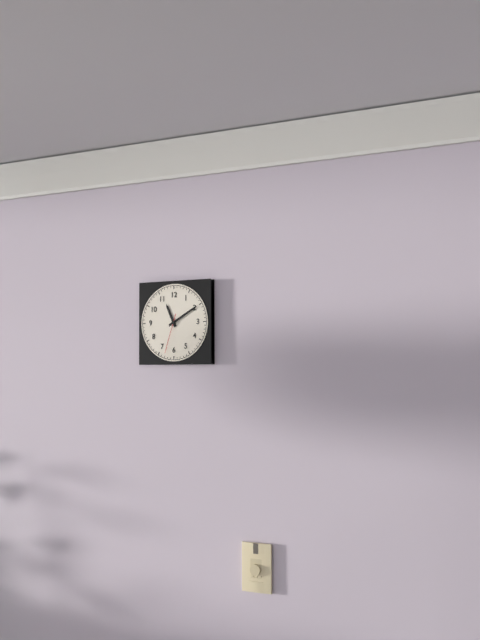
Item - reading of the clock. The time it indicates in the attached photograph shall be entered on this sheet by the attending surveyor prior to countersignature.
11:10
